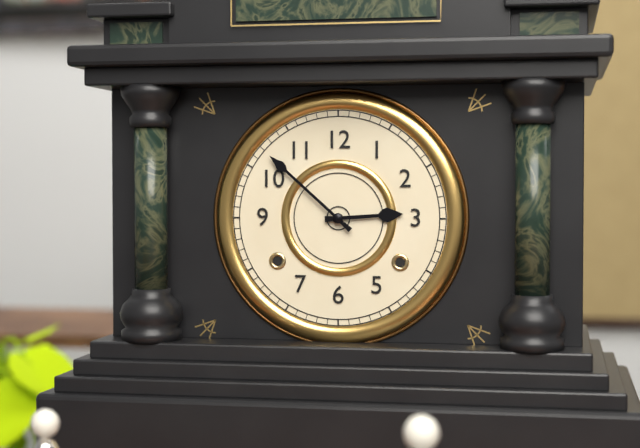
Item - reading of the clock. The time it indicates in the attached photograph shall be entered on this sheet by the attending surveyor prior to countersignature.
2:52
